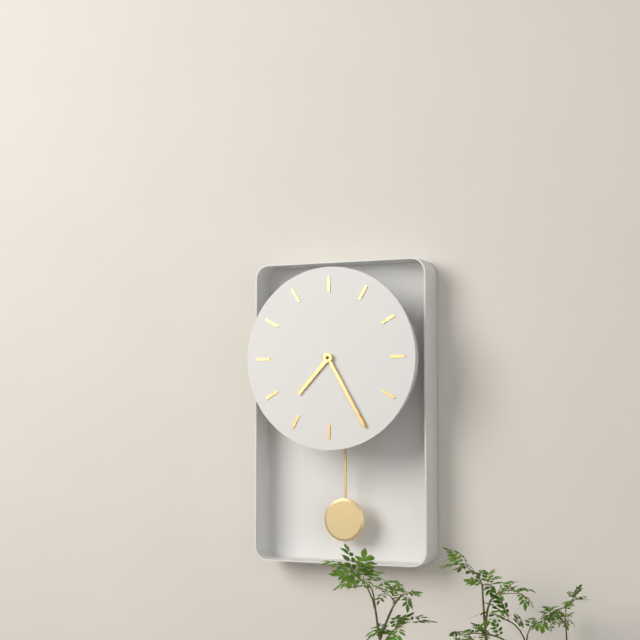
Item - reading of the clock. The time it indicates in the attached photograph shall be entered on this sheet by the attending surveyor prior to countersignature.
7:25
